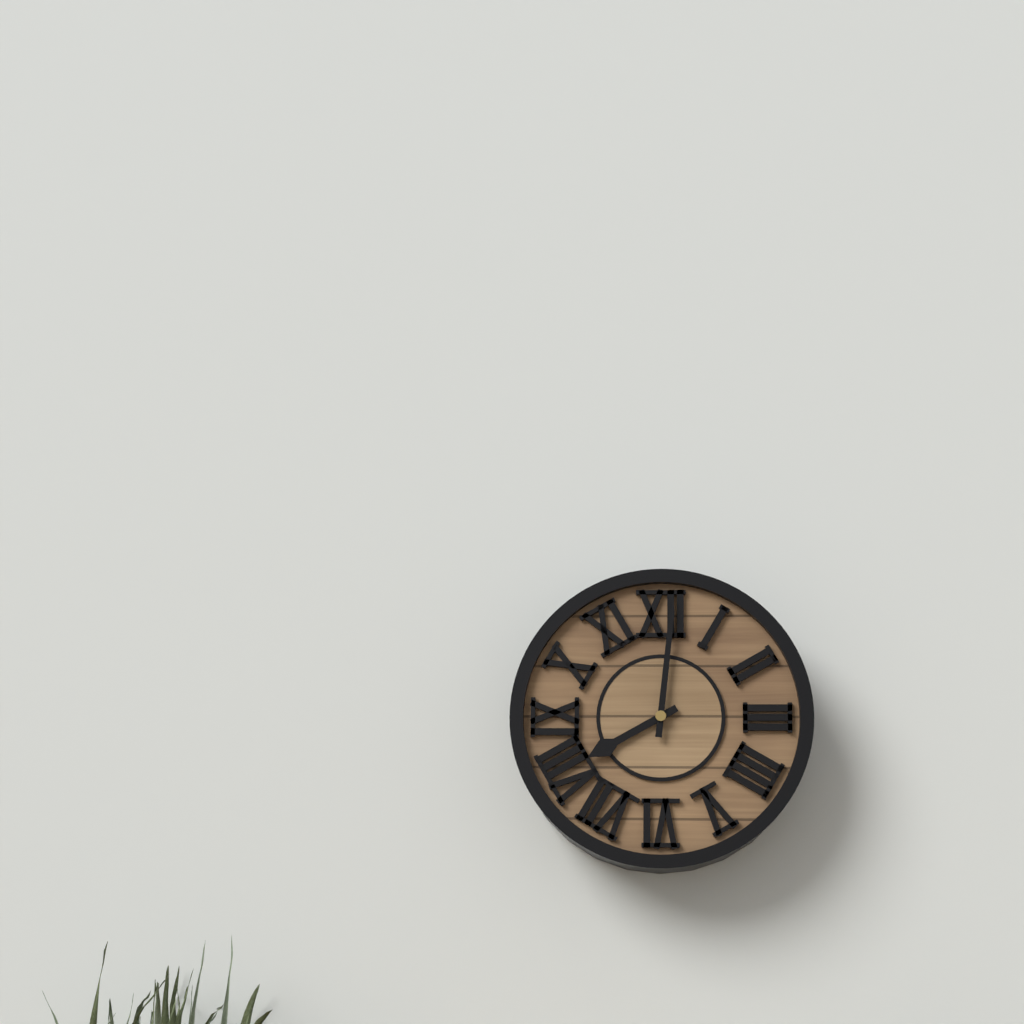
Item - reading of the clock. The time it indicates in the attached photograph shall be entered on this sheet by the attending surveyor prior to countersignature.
8:01
